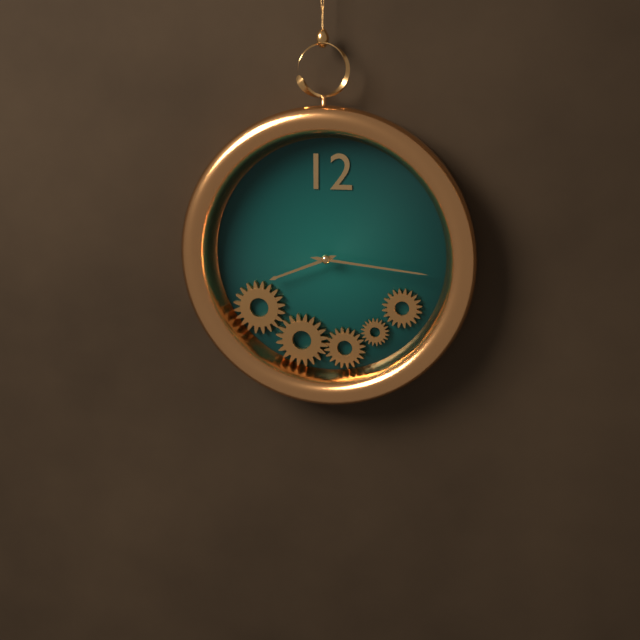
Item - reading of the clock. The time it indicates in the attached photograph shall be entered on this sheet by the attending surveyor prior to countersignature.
8:16
